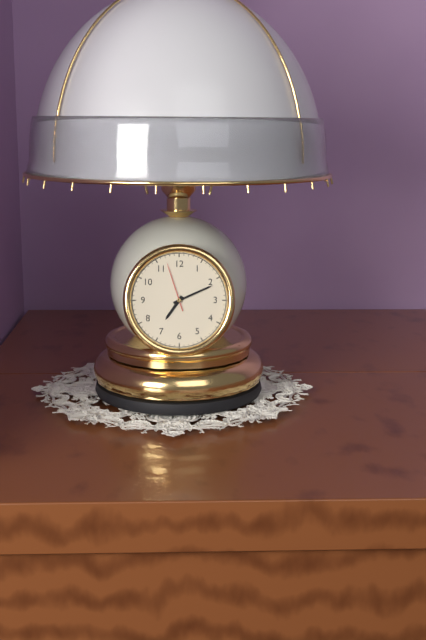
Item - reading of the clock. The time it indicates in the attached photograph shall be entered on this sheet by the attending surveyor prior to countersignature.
7:11:57
